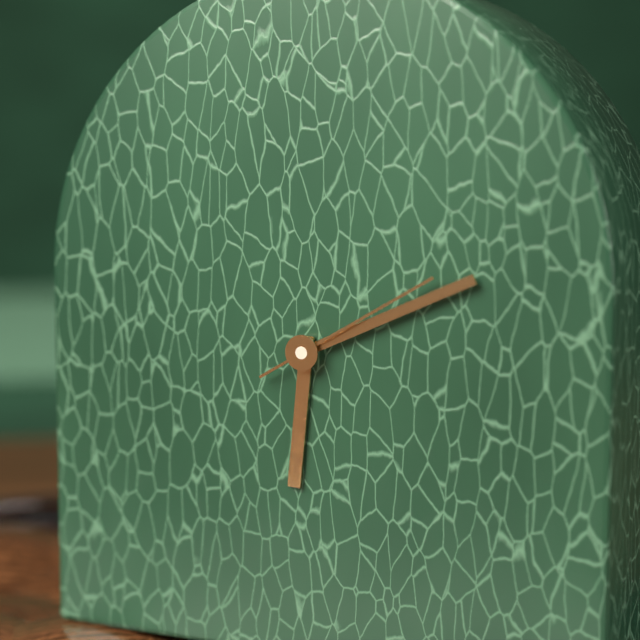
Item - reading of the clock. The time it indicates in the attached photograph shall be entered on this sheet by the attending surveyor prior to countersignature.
6:11:10
